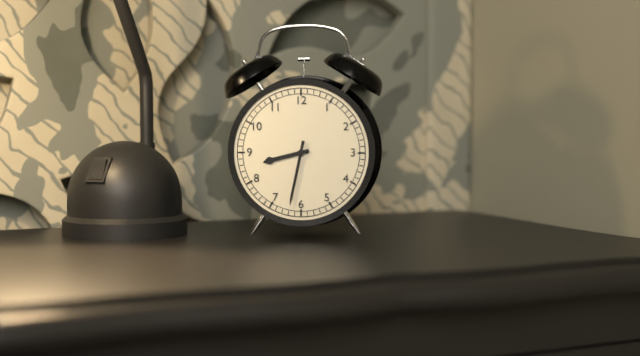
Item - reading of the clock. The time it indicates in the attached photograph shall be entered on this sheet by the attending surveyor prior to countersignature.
8:32
